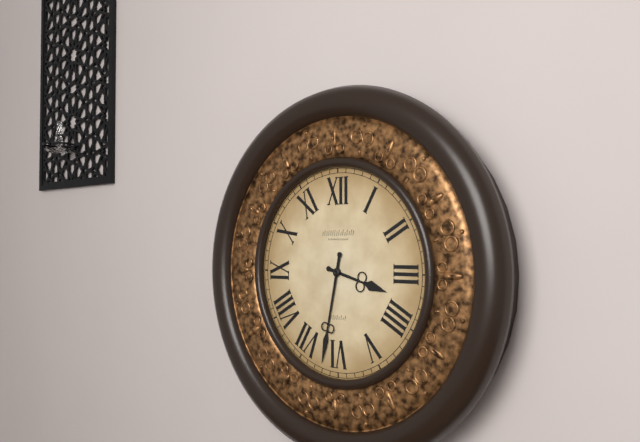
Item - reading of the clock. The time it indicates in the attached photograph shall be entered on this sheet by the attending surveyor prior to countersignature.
3:32
